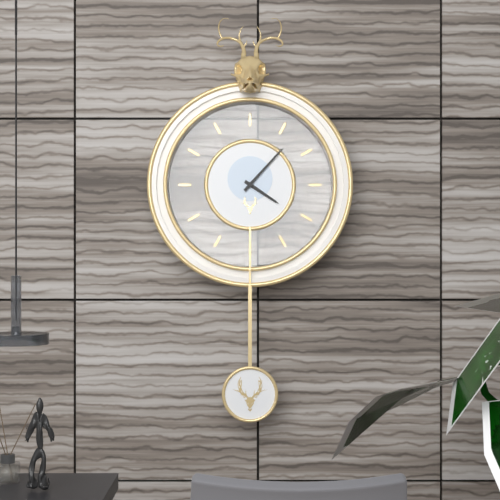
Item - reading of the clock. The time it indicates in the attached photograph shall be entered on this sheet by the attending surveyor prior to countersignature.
4:07
